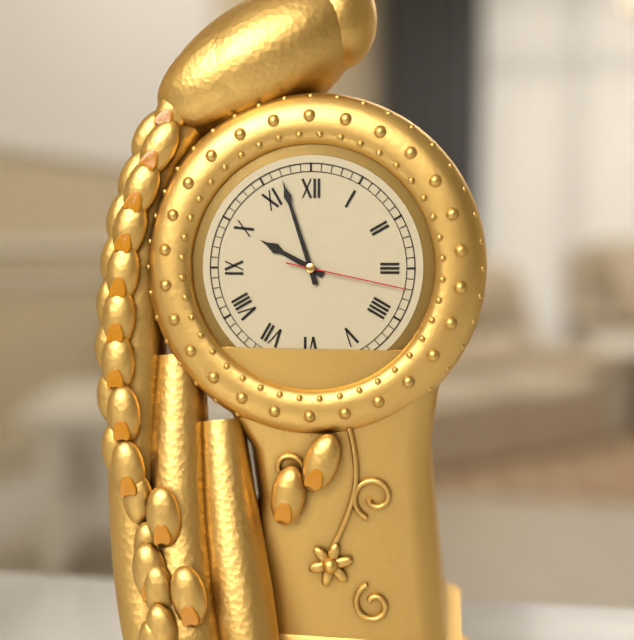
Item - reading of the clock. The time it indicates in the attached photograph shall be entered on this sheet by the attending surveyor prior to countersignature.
9:57:17
